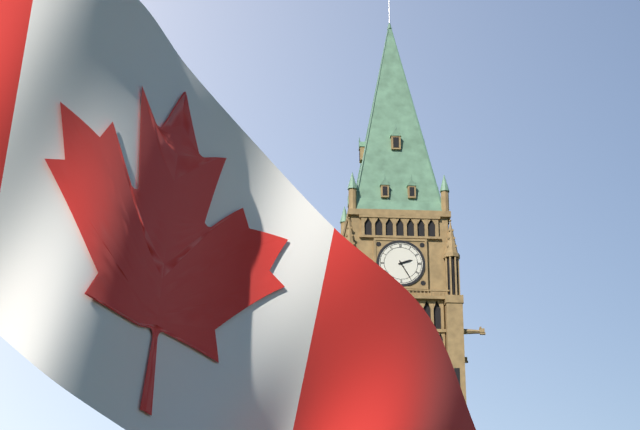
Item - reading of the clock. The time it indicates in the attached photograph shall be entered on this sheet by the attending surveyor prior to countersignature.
2:25
